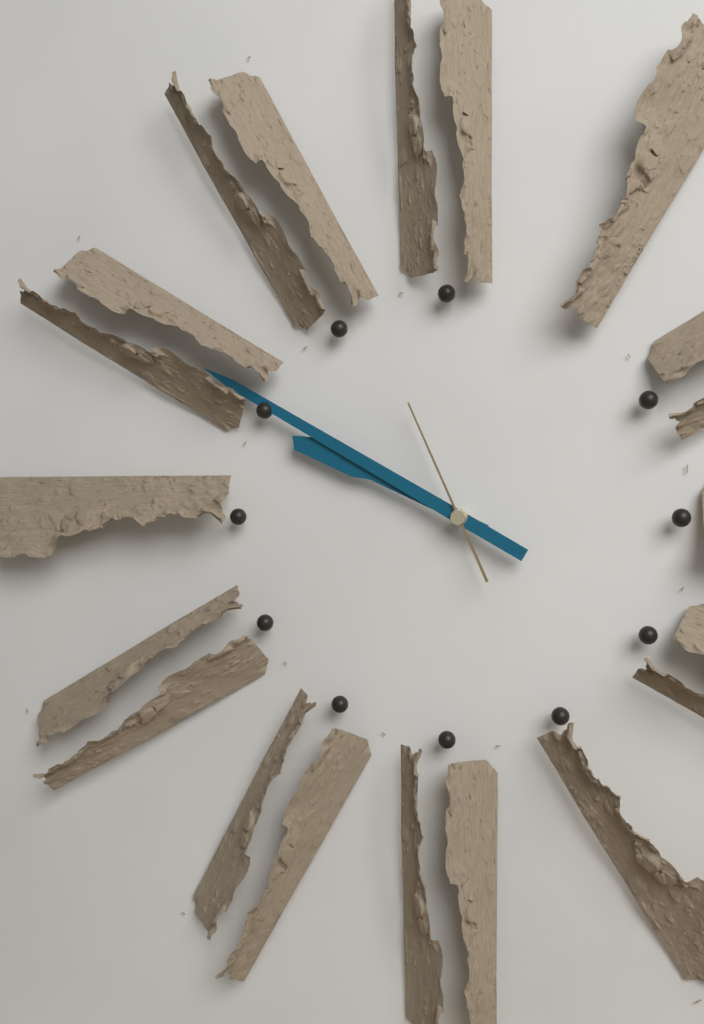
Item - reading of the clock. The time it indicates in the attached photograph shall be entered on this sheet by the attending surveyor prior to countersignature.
9:50:56
